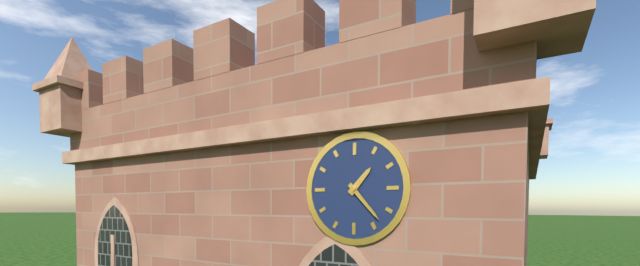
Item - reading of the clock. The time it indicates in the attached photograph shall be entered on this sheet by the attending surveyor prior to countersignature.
1:23
